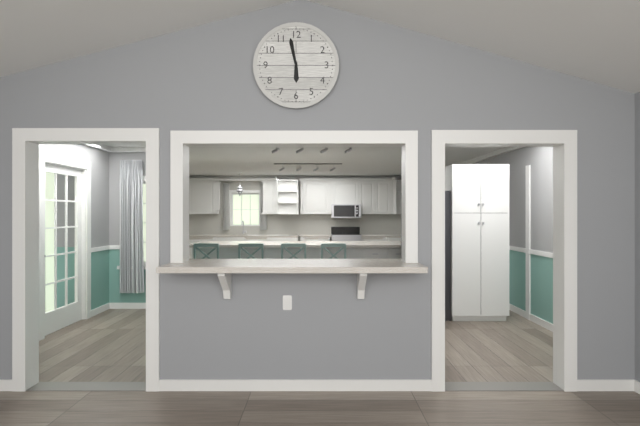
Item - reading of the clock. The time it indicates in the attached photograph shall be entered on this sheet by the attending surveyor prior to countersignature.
5:58
